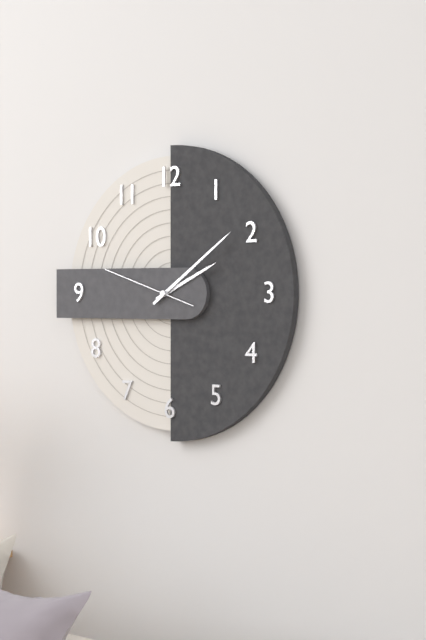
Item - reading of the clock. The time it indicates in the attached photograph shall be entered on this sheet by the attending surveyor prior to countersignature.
2:09:48
